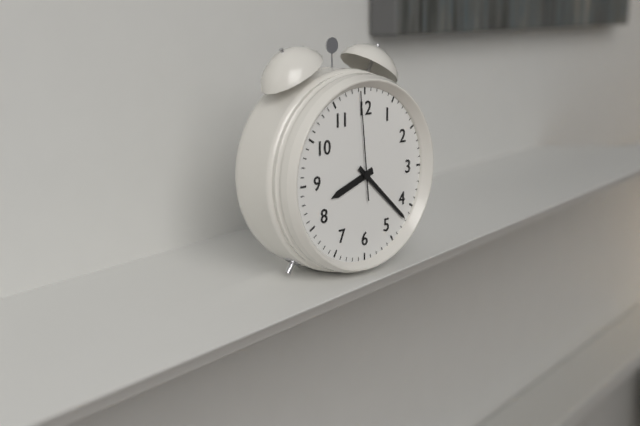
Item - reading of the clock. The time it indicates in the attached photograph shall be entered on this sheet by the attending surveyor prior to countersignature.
8:22:59
